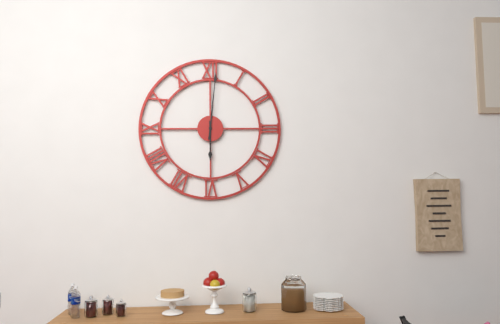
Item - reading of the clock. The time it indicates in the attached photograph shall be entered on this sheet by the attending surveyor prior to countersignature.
6:01
